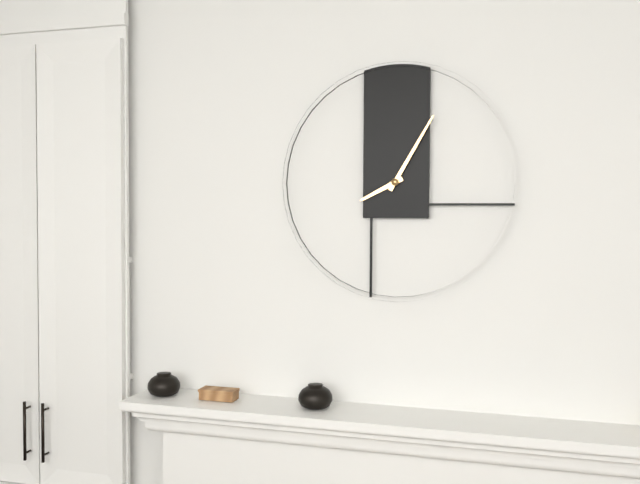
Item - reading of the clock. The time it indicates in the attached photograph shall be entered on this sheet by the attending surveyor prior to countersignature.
8:05
